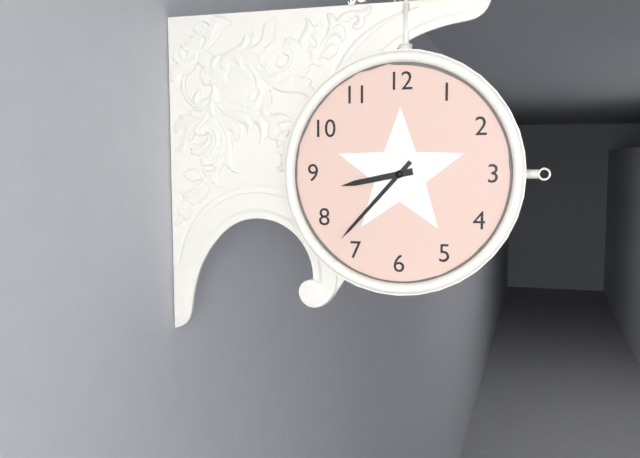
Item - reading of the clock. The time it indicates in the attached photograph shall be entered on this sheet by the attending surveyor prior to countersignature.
8:37
